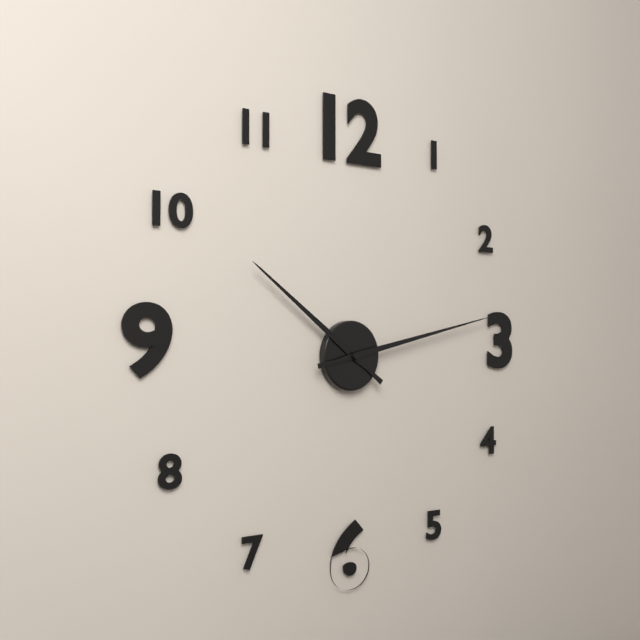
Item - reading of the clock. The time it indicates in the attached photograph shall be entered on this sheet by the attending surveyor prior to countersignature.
10:13
